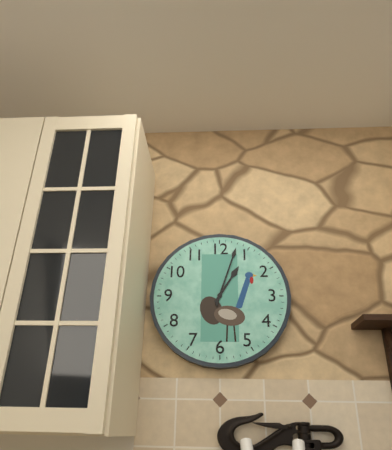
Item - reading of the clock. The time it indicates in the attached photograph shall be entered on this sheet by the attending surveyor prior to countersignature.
1:03
